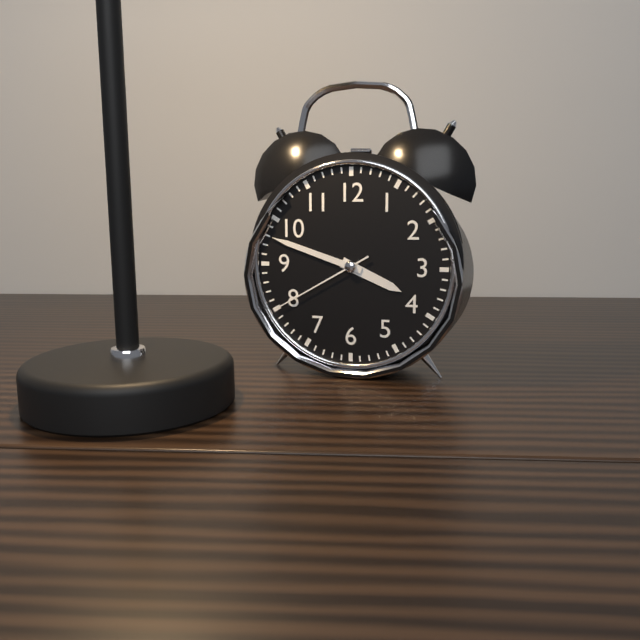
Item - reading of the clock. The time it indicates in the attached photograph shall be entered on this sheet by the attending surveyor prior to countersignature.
3:48:40
